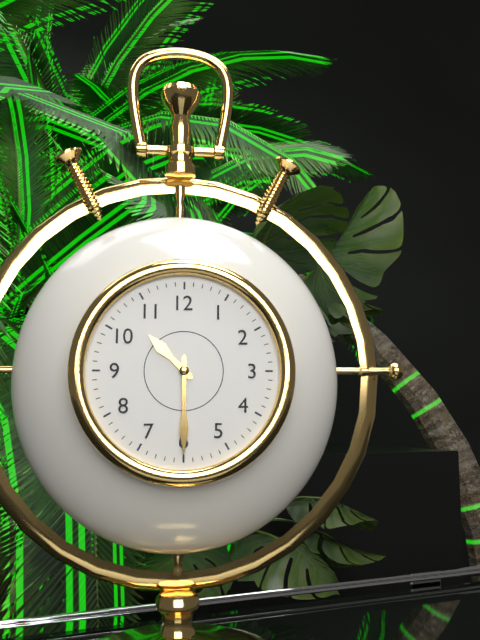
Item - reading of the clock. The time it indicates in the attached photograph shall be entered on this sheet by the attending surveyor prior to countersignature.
10:30
